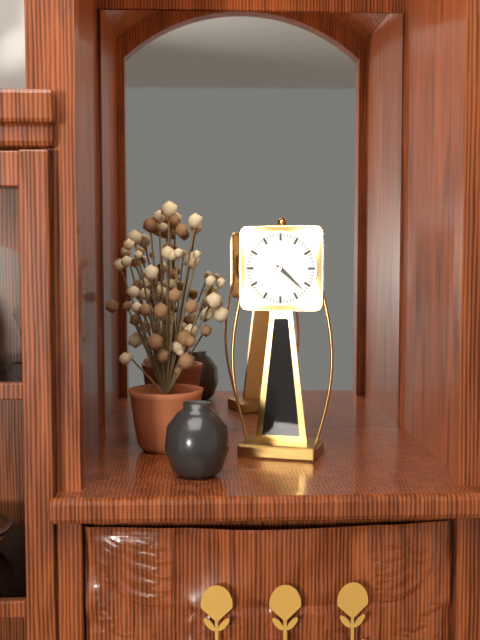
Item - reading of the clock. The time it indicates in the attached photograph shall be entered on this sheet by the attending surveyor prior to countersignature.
4:22
